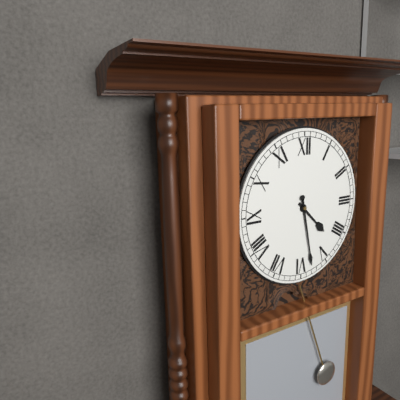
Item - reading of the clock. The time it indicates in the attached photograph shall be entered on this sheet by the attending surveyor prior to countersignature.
4:28
